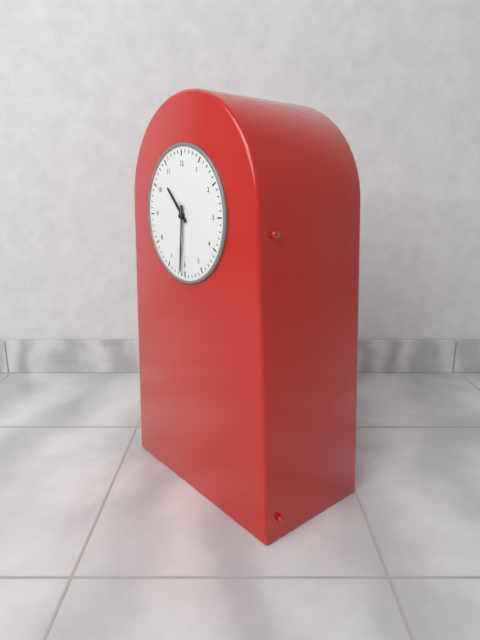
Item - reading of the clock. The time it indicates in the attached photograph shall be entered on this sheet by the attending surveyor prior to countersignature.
10:31:30
